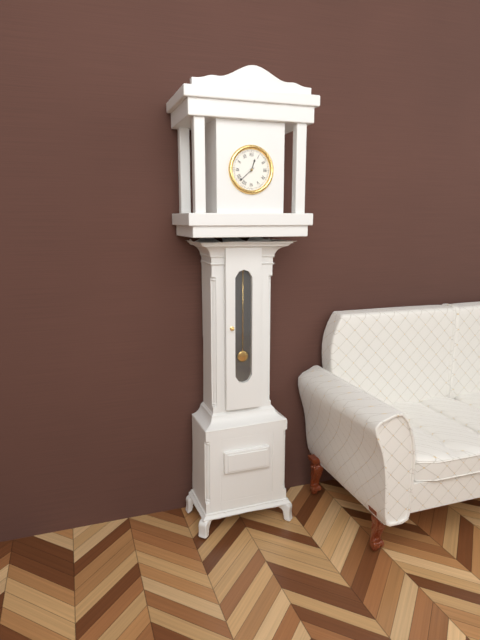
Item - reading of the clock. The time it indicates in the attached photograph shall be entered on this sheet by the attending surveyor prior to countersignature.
12:38
